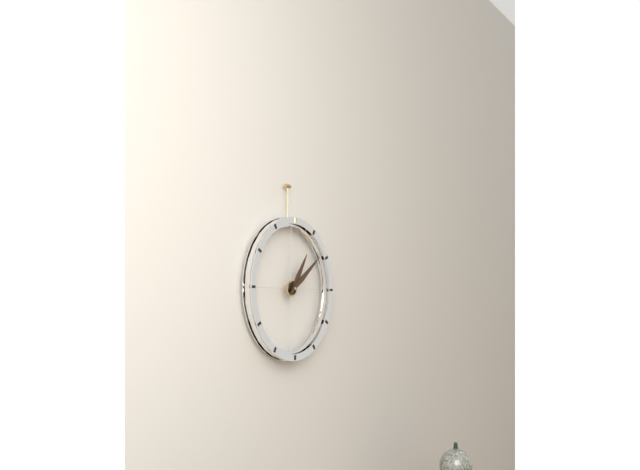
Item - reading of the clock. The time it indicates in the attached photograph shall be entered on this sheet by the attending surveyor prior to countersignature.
1:09
